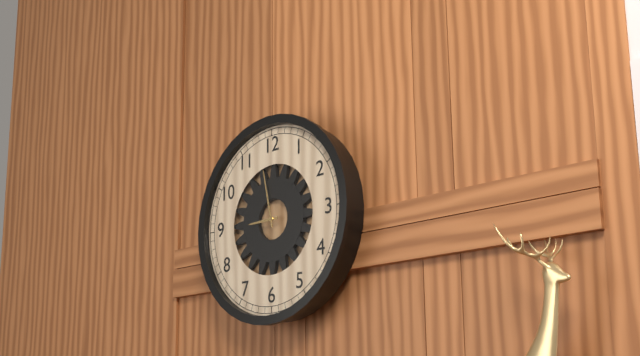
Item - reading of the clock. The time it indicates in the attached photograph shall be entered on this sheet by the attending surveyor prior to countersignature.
8:58
